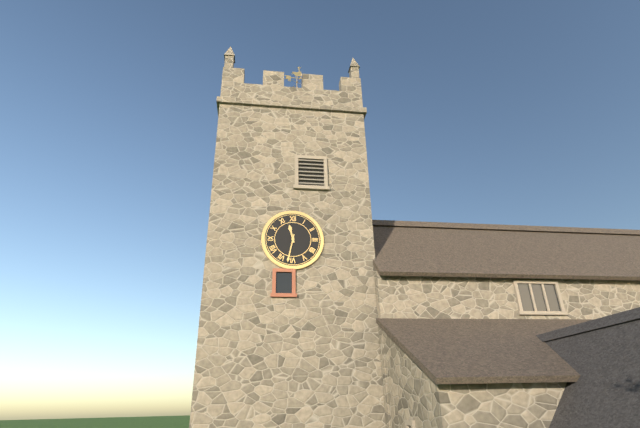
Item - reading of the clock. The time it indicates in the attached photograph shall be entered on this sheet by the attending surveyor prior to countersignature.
11:32
